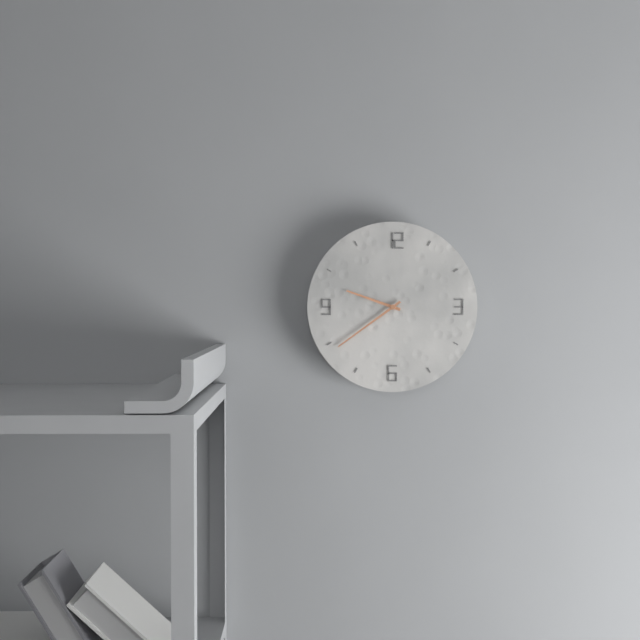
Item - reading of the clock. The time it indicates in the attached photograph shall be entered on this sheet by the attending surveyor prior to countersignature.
9:39
